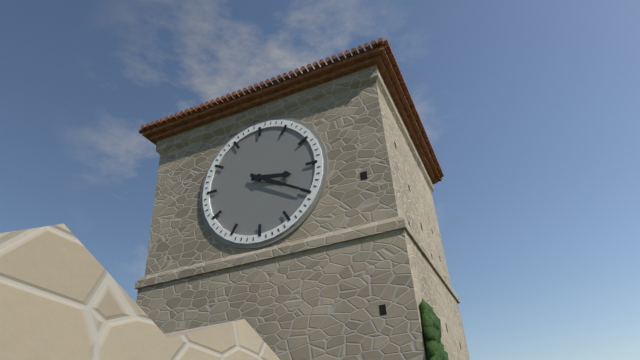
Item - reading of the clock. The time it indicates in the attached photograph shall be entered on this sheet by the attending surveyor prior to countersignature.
3:20
